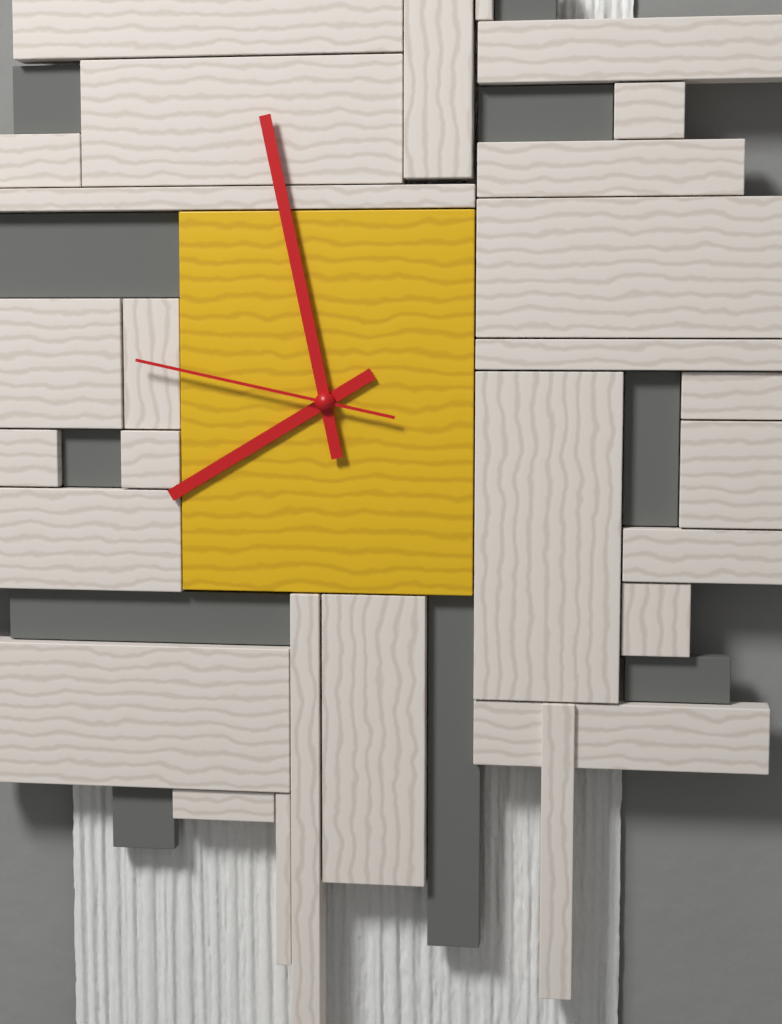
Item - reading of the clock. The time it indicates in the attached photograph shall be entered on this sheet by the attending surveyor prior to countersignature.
7:58:47
